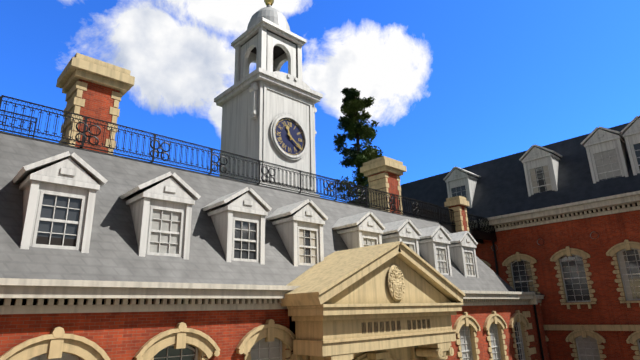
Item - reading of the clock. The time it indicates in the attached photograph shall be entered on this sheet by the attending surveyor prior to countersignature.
11:21
